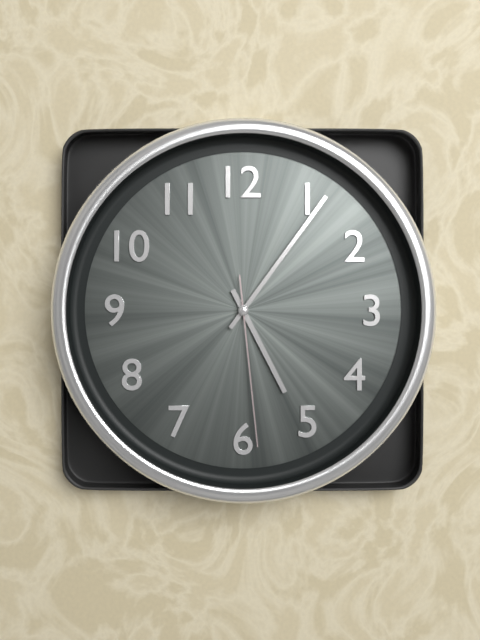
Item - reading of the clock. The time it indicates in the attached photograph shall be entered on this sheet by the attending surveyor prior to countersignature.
5:06:29
